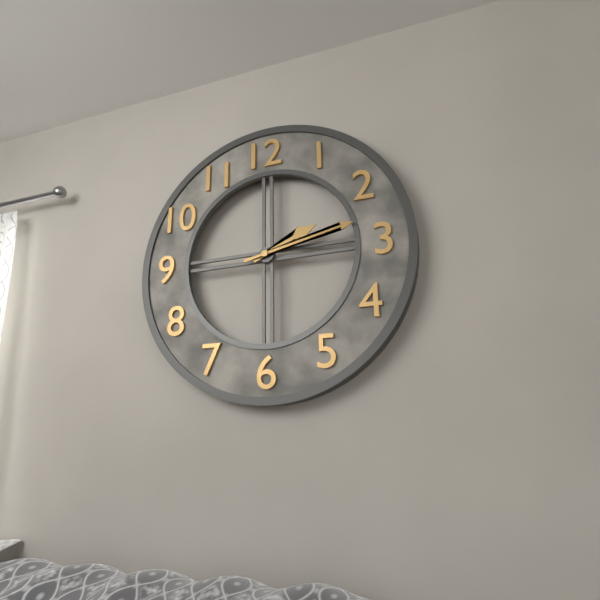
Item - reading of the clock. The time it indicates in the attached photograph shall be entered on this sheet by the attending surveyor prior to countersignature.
2:13
